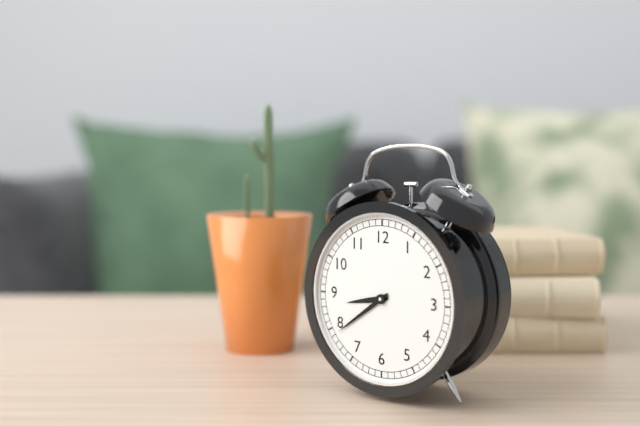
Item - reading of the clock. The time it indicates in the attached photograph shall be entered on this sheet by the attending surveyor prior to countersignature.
8:39
